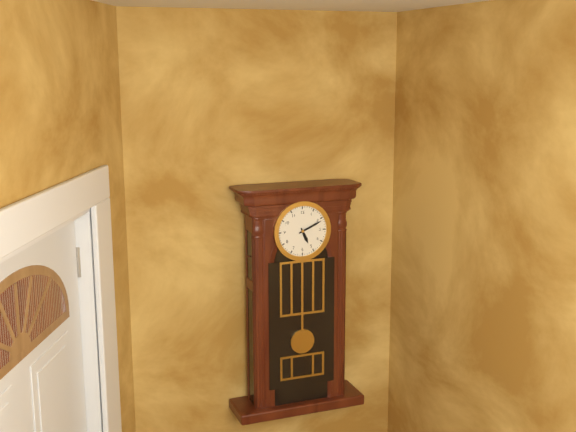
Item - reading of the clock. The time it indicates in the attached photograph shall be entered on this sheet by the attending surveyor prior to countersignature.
5:11
